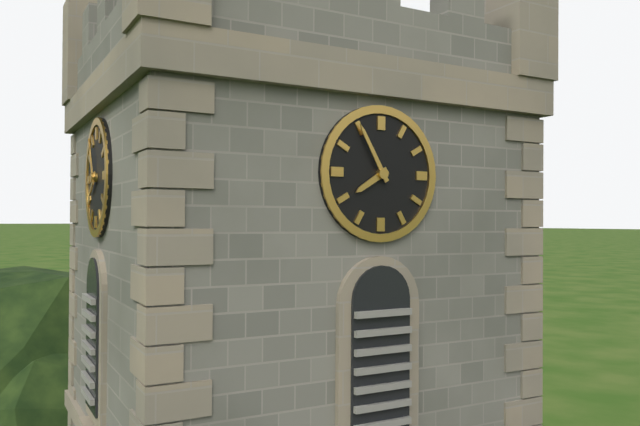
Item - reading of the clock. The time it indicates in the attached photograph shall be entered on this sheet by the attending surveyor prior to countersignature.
7:55
